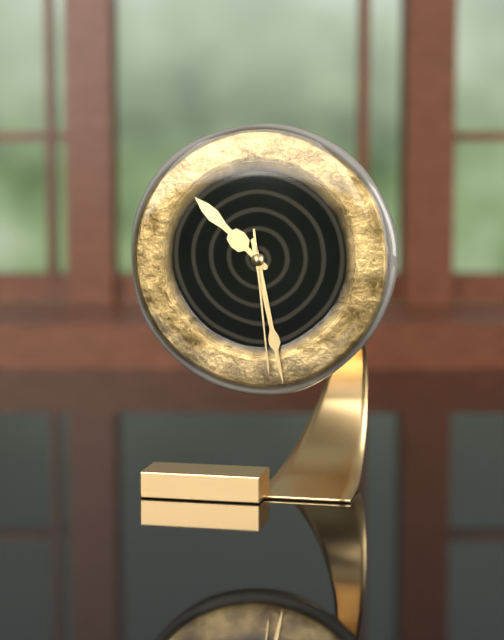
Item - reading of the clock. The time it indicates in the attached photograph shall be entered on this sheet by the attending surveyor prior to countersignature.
10:28:29
